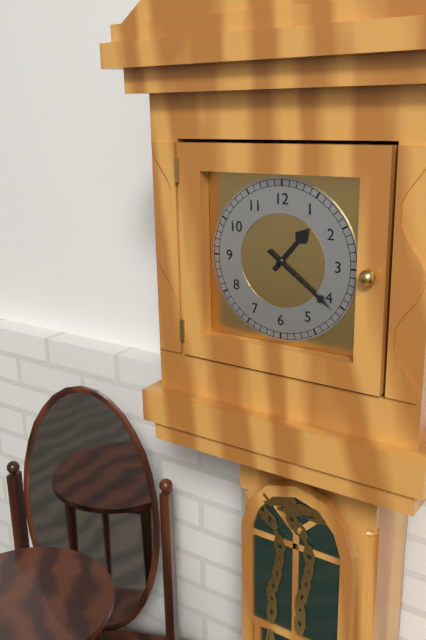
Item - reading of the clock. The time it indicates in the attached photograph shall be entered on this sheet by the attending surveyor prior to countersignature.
1:21
